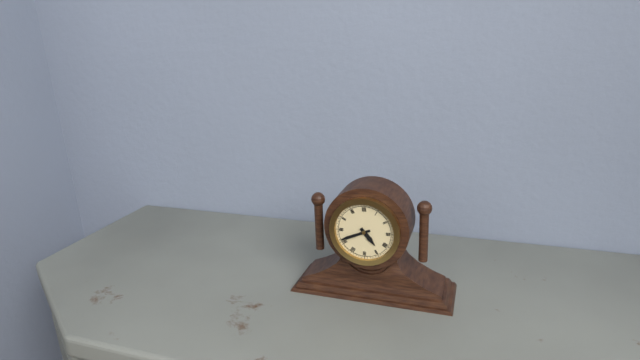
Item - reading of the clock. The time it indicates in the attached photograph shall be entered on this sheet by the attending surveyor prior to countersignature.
4:41
